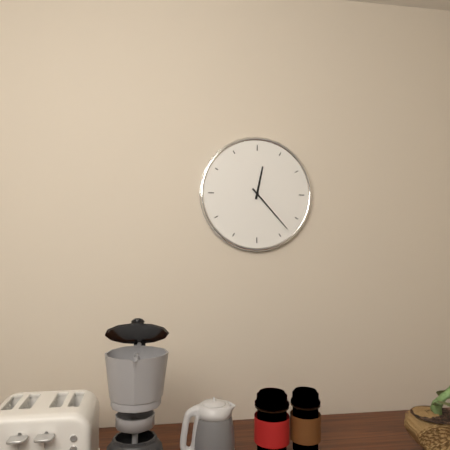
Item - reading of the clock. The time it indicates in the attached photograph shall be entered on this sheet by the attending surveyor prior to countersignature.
12:23
